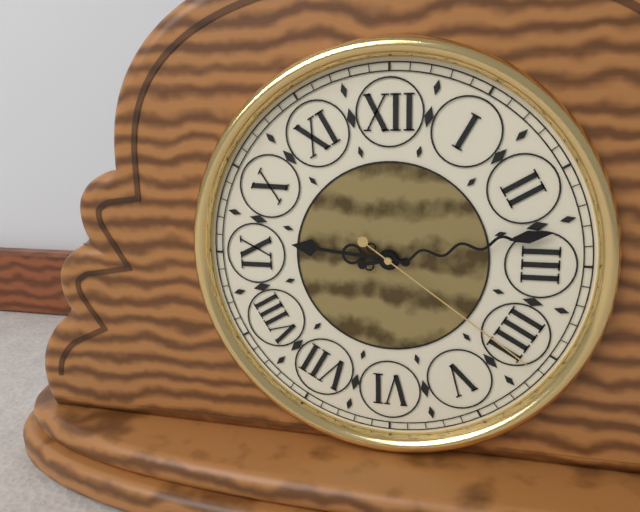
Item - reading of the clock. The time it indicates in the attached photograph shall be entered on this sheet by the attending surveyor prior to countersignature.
9:13:21
